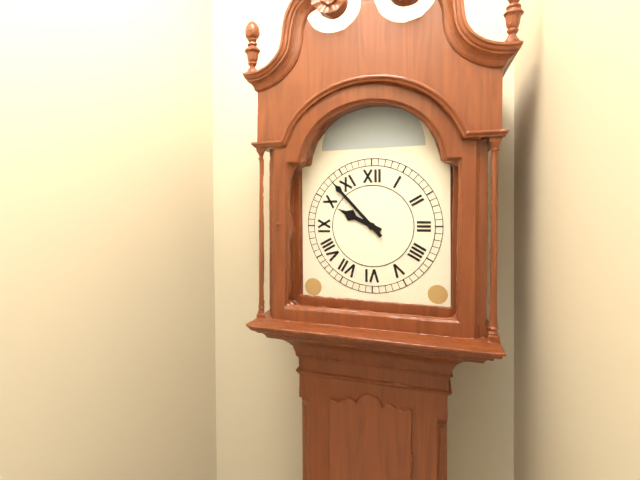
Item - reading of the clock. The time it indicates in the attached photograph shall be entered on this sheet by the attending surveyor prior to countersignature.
9:53
